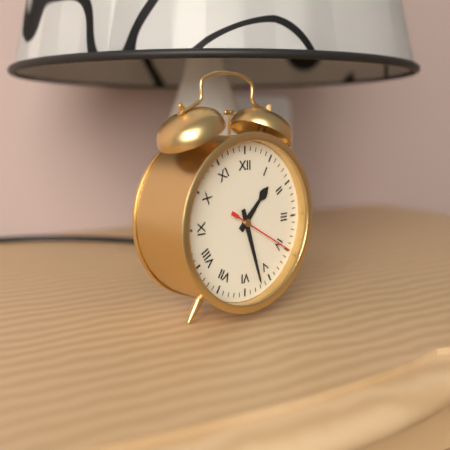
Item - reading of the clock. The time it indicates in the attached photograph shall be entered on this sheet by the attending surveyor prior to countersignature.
1:27:20
